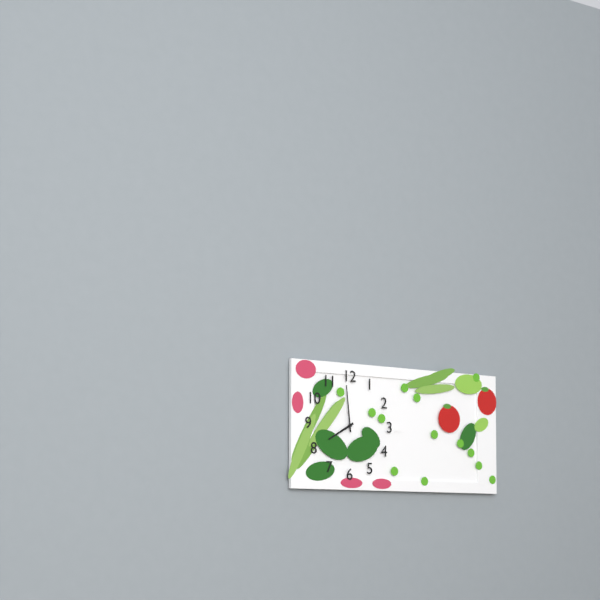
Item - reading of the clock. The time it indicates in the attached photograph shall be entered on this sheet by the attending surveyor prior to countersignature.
7:59
